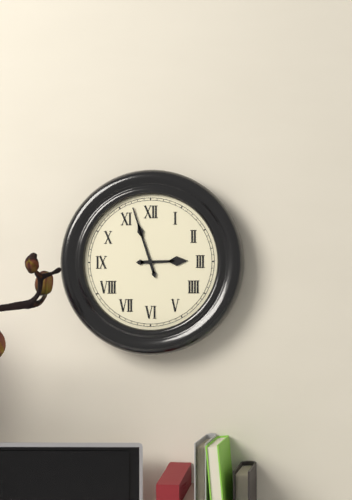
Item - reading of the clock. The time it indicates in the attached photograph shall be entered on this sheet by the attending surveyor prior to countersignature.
2:57
